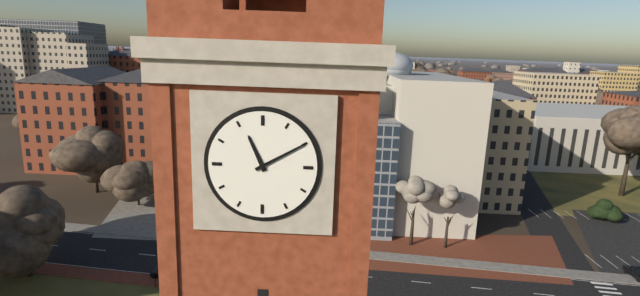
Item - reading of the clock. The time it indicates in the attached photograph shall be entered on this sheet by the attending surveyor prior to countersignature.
11:10
